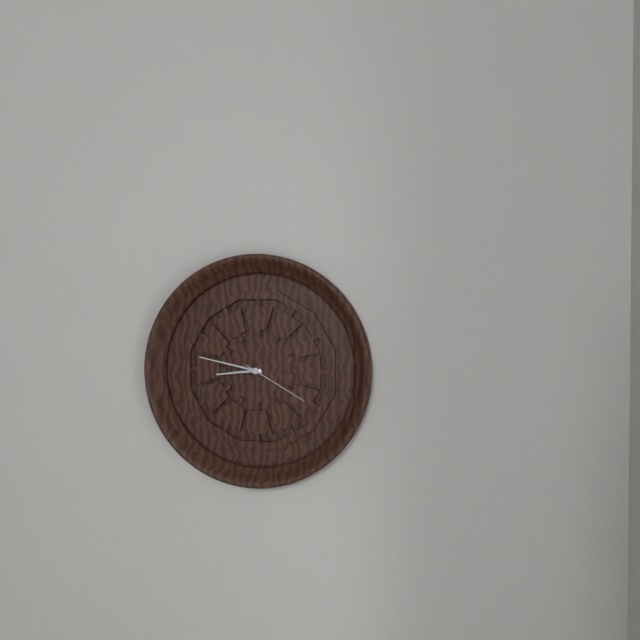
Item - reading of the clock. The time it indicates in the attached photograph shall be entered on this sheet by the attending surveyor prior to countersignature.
8:47:20
